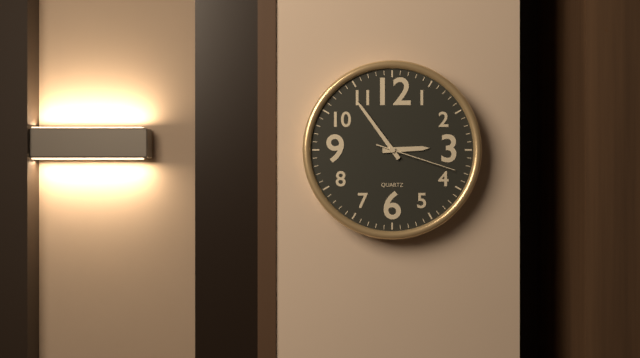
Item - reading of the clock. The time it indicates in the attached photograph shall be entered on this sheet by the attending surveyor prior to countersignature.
2:54:18
